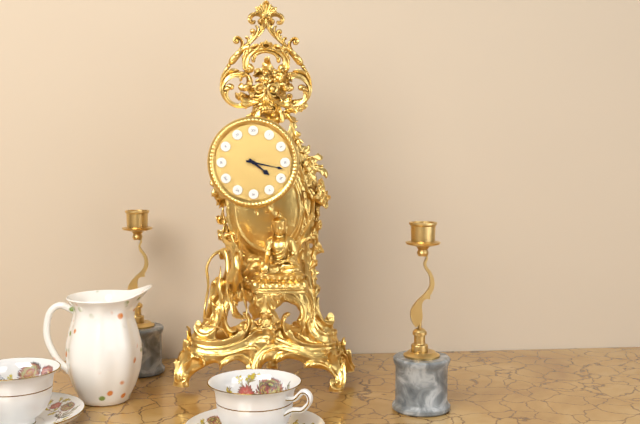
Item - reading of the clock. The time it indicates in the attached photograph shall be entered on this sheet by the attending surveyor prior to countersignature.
4:17
